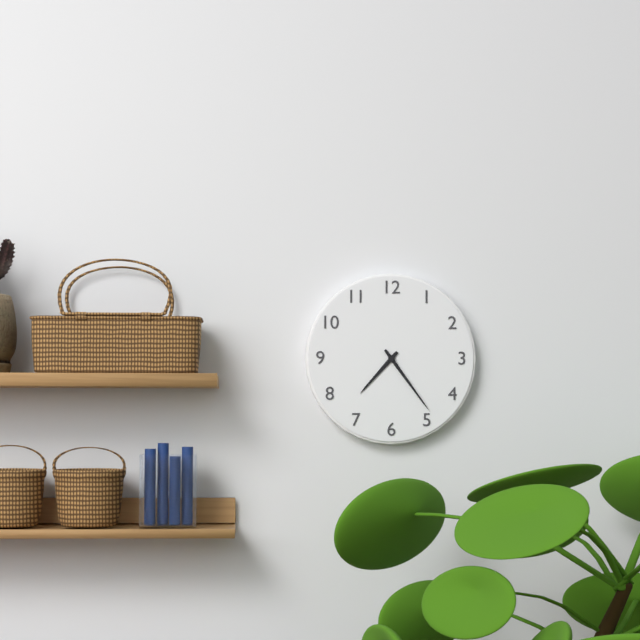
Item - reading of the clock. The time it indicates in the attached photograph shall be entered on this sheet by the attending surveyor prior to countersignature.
7:24
